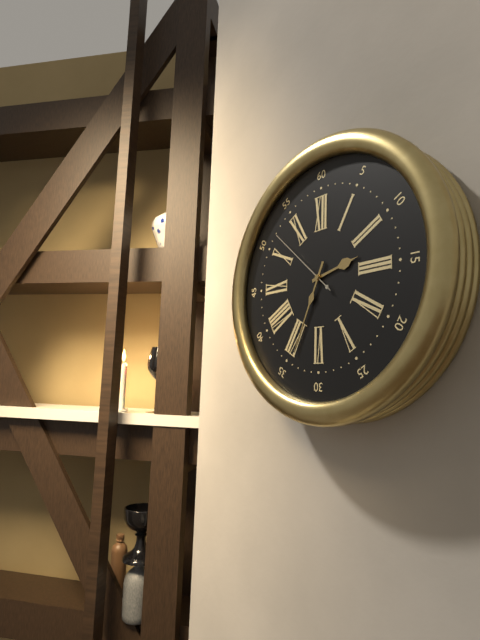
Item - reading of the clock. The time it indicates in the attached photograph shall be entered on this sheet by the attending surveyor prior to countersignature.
2:34:52
